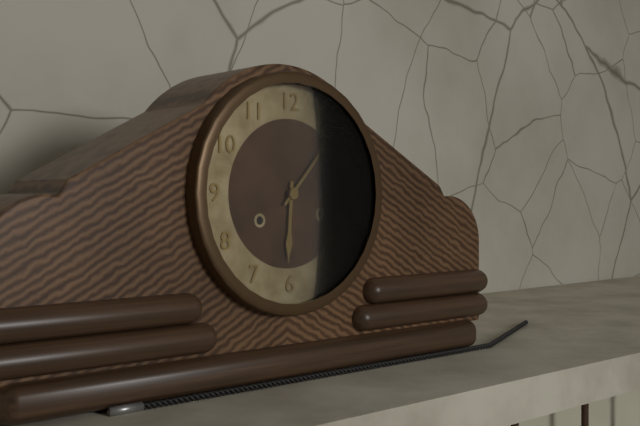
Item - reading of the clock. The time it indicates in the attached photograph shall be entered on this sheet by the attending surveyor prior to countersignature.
6:07
